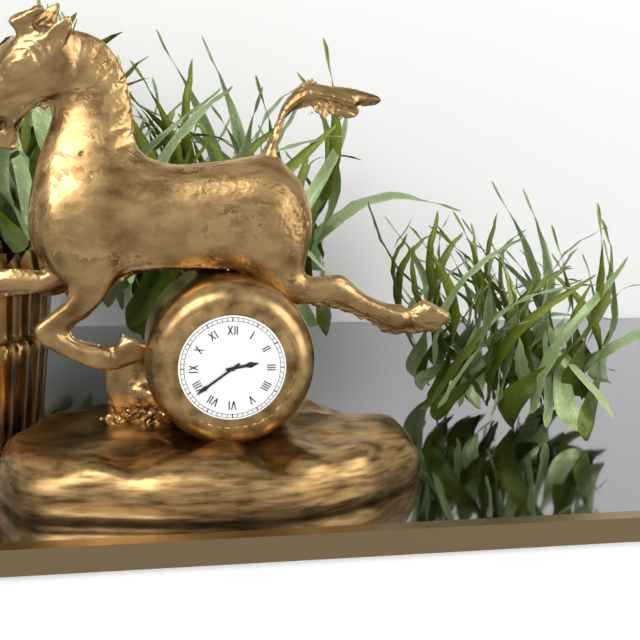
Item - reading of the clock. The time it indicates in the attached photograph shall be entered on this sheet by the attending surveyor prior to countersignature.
2:39
